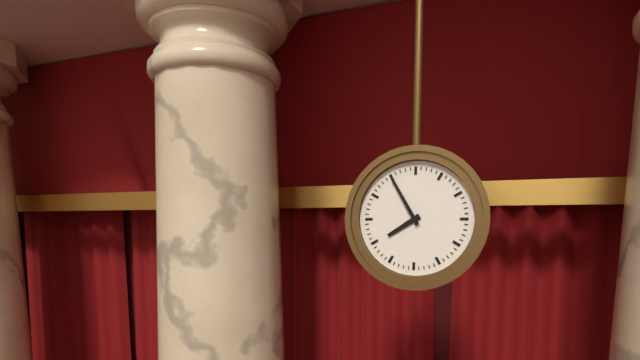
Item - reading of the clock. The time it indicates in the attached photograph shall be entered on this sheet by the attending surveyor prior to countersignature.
7:55
